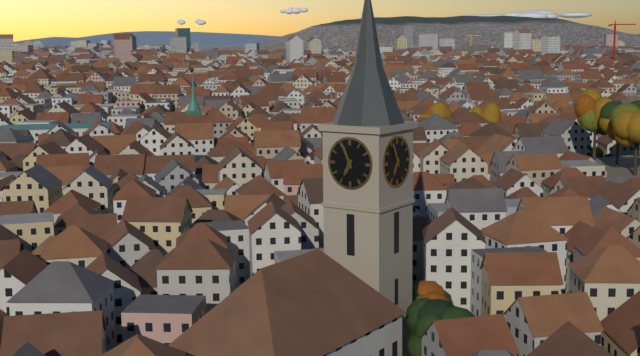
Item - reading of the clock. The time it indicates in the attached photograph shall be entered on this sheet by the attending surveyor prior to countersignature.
6:56
